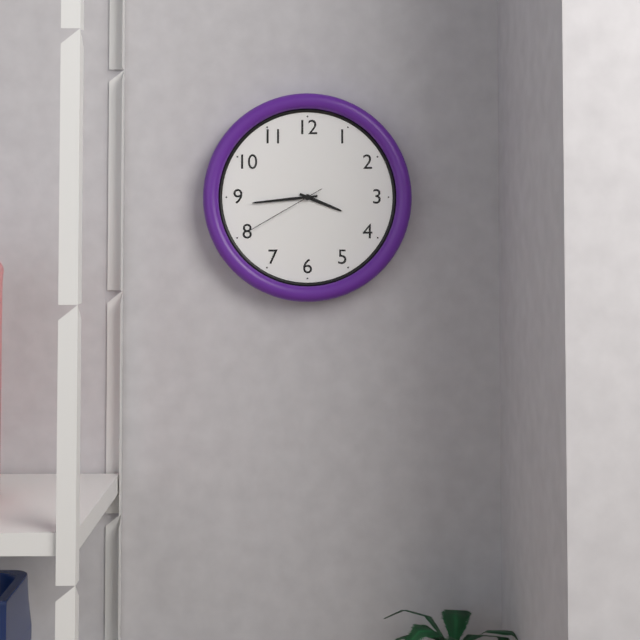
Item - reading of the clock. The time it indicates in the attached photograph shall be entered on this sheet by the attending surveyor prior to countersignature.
3:44:40
